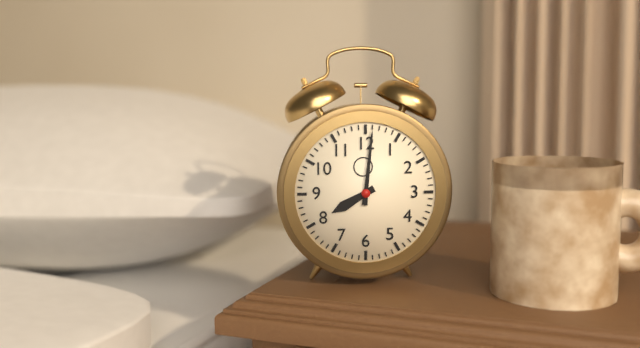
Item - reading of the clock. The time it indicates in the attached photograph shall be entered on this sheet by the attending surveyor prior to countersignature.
8:01
